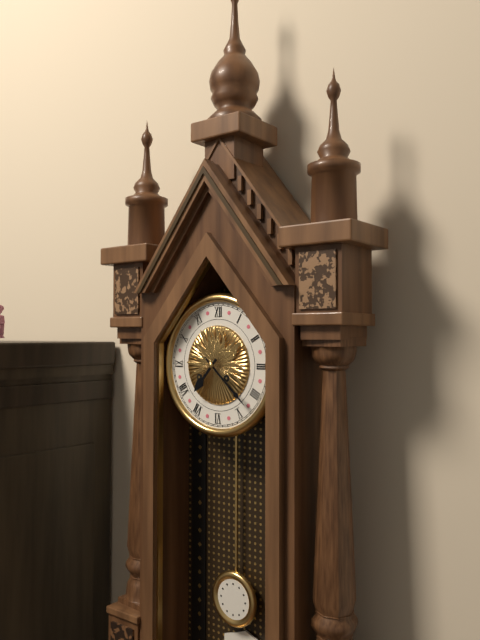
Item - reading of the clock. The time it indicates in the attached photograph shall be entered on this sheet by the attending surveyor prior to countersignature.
7:22
